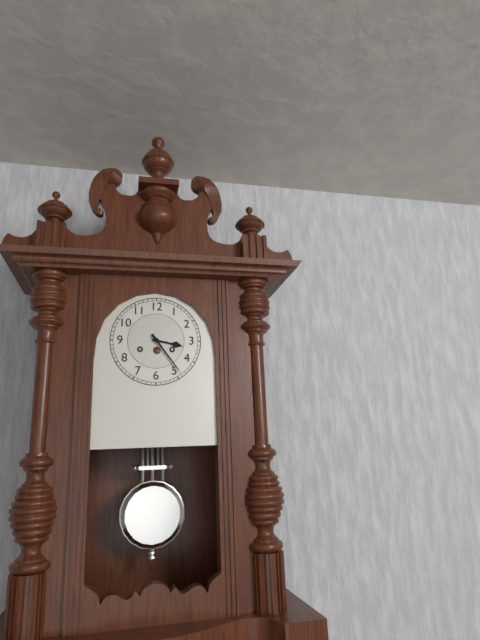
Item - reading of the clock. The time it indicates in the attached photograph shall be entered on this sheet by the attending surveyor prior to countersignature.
3:24
